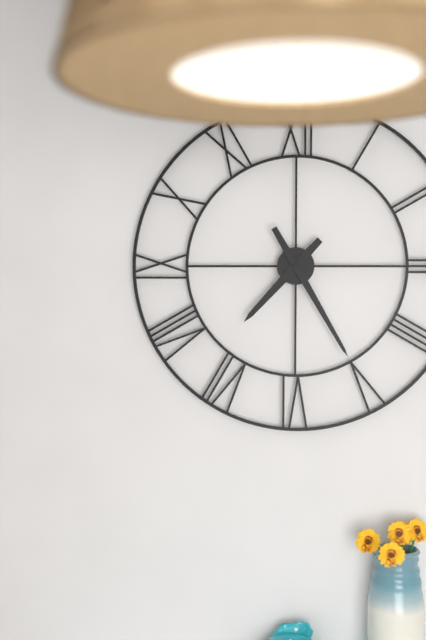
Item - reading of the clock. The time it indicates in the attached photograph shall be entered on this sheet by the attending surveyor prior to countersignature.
7:25
